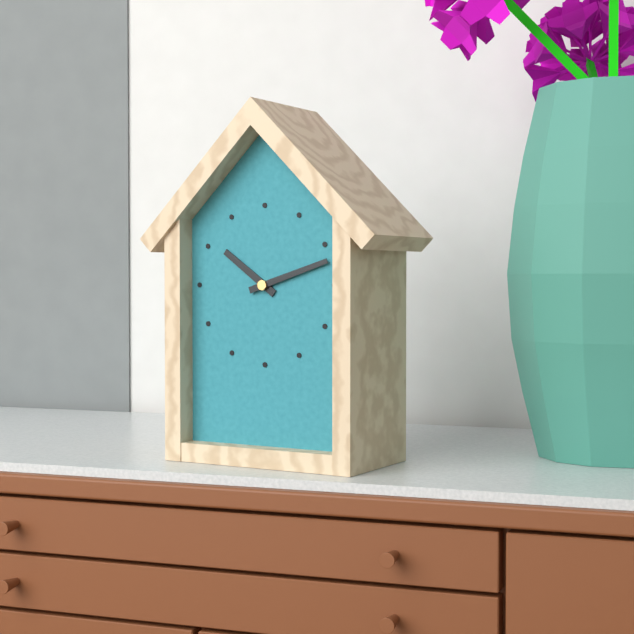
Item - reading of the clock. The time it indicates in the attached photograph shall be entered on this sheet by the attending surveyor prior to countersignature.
10:12
